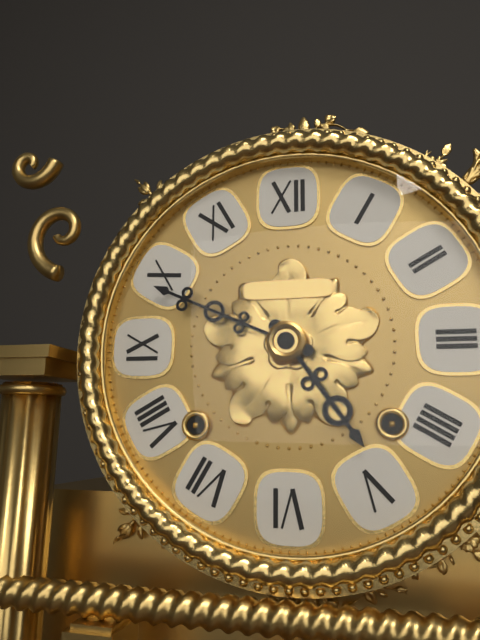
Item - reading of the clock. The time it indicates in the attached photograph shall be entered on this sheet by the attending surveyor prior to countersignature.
4:49
